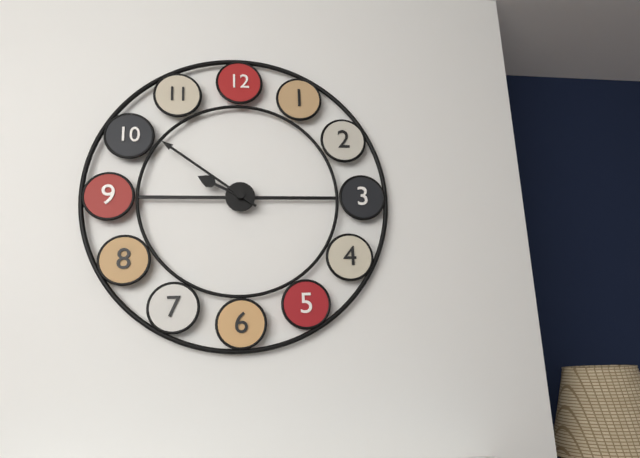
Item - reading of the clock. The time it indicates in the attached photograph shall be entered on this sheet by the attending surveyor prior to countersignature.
9:51
